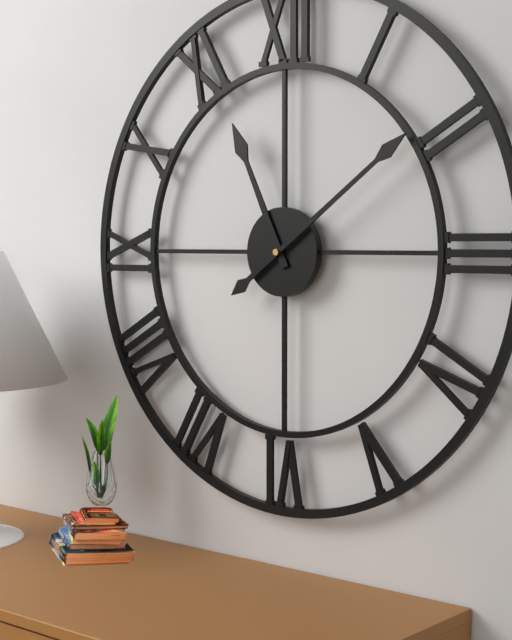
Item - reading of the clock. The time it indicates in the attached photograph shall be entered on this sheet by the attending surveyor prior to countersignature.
11:09
